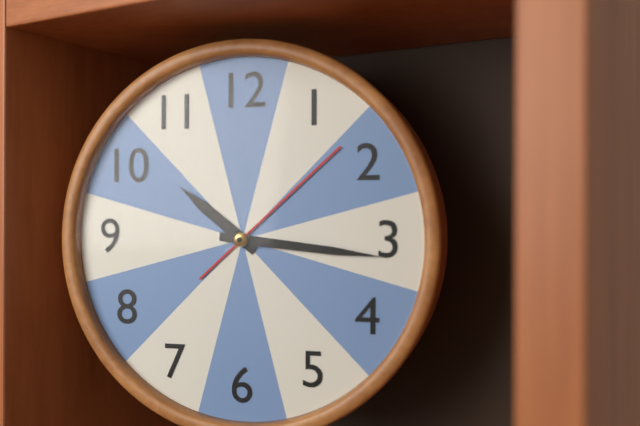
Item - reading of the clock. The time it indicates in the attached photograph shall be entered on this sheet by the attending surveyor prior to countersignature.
10:16:08
